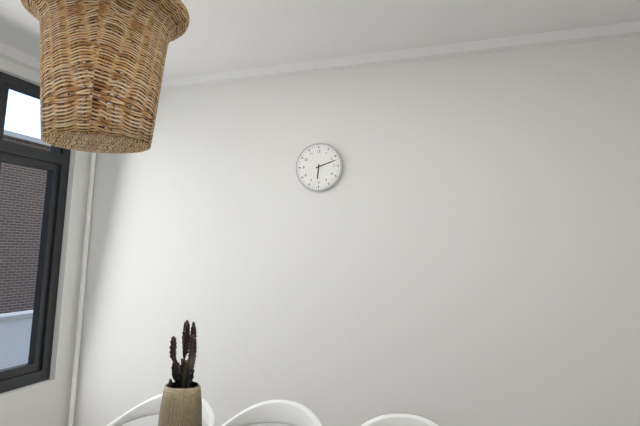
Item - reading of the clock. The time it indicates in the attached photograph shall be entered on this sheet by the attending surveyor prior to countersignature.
6:12
